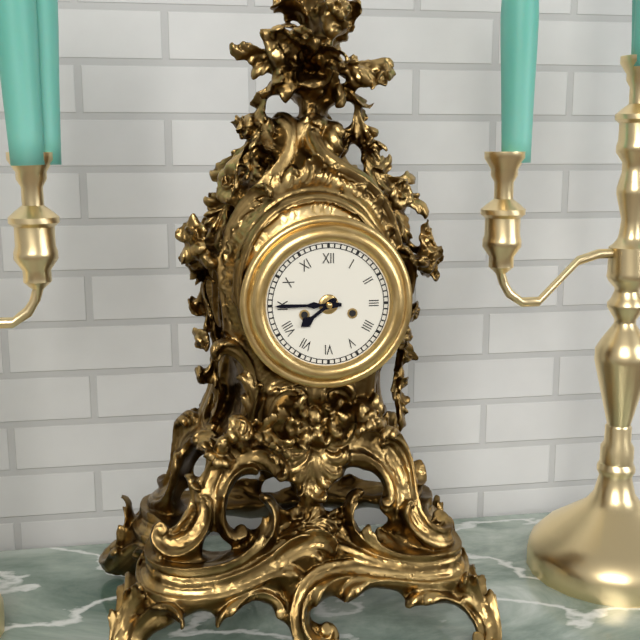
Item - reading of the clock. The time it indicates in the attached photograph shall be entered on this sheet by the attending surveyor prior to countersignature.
7:45
